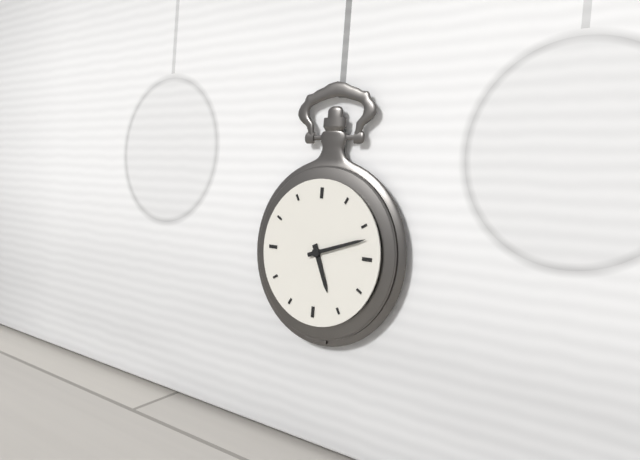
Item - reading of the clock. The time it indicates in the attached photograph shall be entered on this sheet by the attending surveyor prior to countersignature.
5:12
